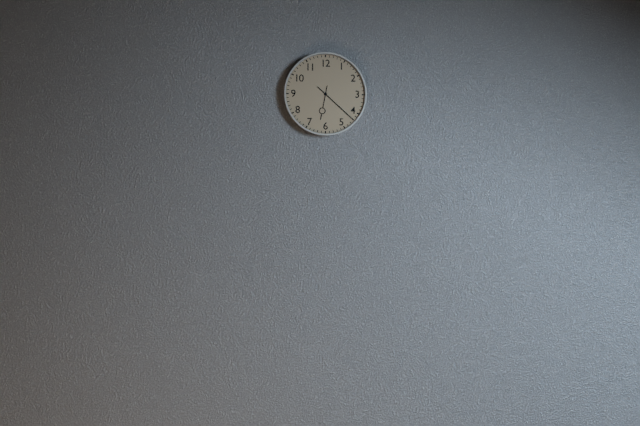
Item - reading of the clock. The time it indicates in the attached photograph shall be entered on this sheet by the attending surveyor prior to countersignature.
6:22
